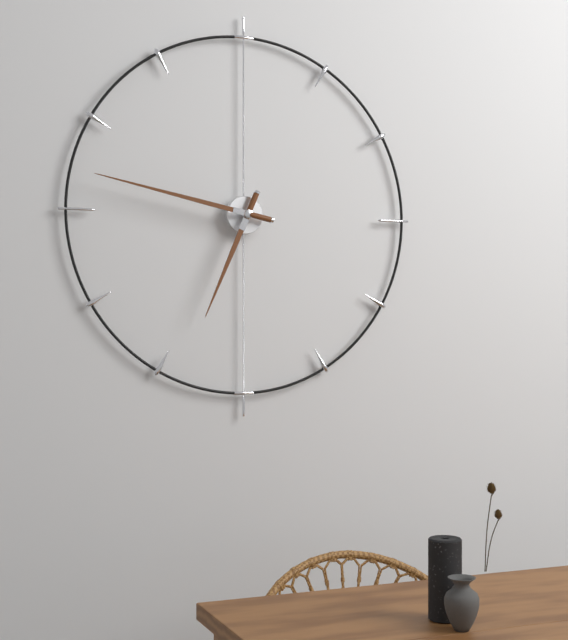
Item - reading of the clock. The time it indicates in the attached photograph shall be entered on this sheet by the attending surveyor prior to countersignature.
6:47
